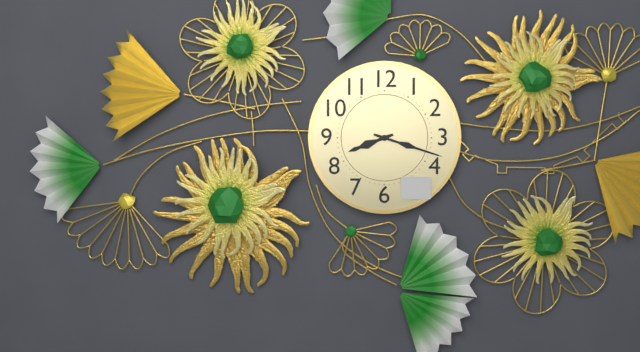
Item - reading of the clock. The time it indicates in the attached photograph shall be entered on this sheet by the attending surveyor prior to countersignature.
8:18
